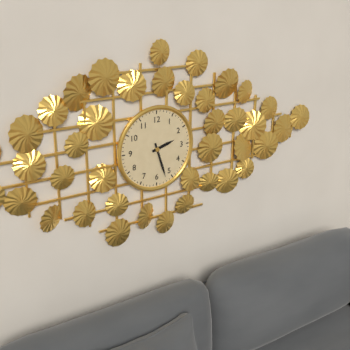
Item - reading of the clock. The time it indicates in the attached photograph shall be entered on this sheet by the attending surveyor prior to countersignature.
2:27
